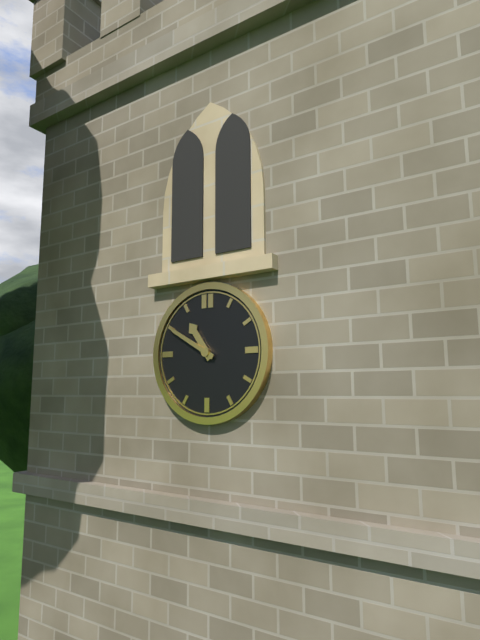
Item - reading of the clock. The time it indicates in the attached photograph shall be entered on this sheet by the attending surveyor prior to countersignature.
10:50
